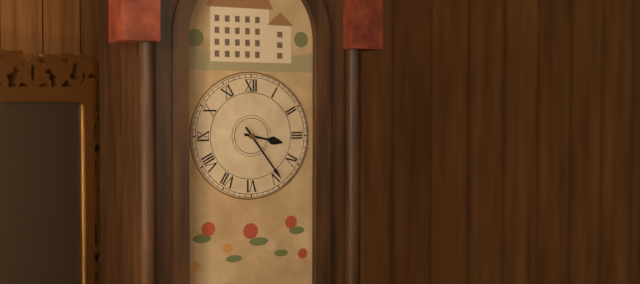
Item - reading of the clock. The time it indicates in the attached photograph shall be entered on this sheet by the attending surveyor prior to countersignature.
3:24
